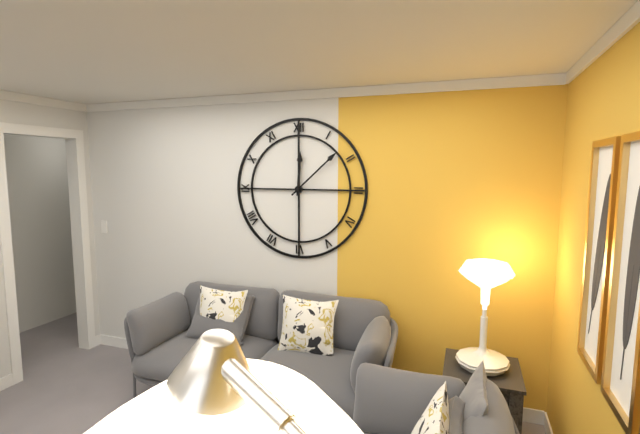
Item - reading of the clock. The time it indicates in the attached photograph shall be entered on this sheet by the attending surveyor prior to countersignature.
12:08
